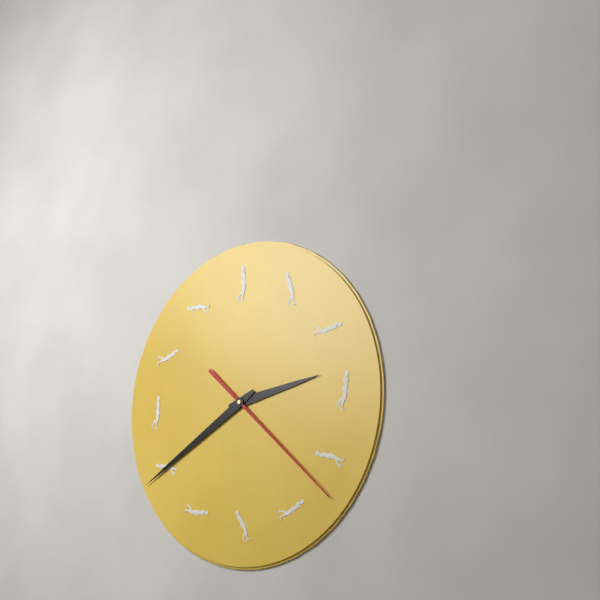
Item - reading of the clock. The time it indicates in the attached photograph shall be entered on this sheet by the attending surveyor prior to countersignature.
2:40:22
